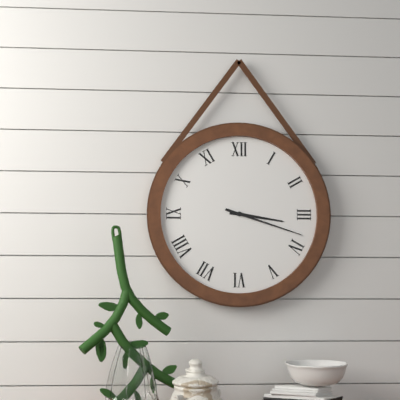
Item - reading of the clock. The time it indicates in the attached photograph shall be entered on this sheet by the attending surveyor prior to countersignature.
3:18
